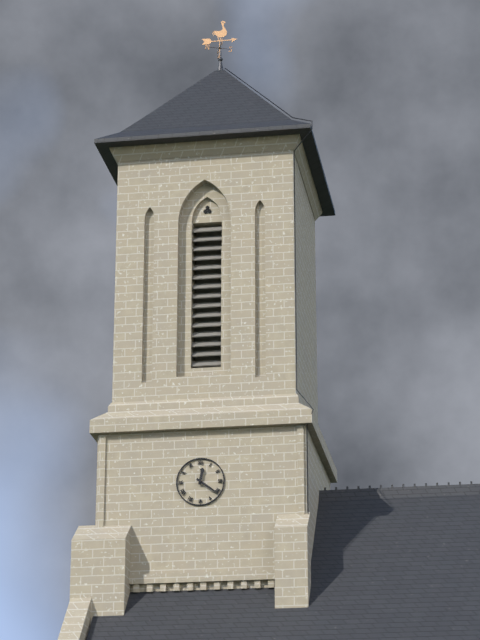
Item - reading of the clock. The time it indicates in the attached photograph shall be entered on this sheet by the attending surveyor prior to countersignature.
12:21
